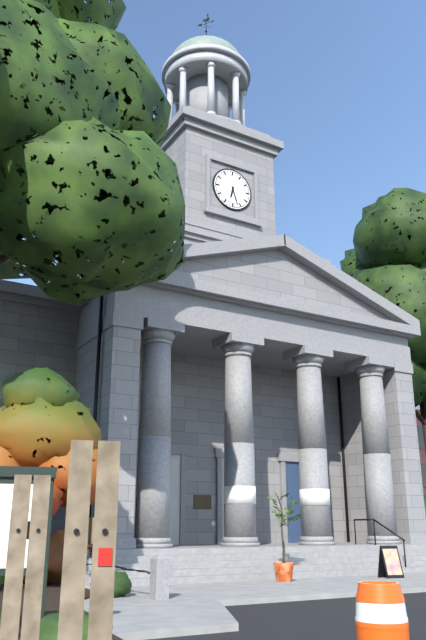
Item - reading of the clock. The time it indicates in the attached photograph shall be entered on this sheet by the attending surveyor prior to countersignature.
6:27
